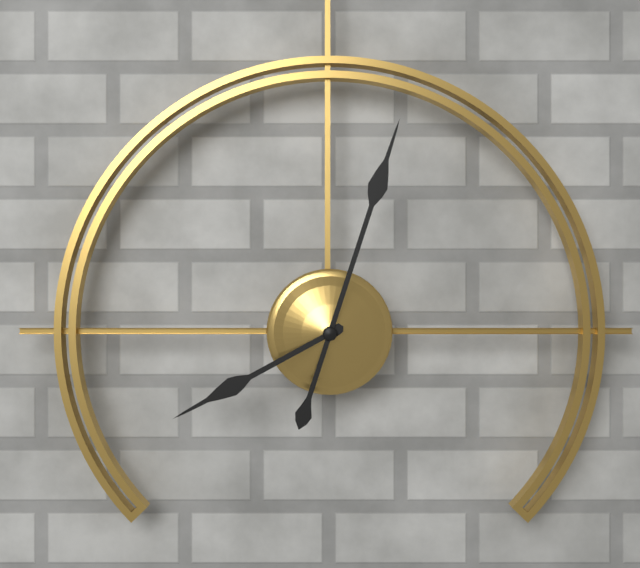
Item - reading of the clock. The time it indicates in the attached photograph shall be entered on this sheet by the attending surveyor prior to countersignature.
8:03
